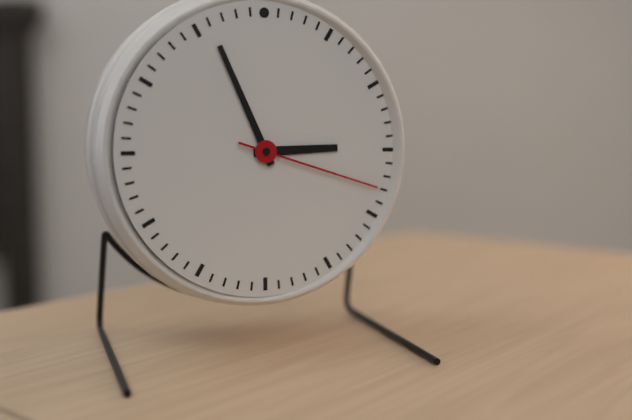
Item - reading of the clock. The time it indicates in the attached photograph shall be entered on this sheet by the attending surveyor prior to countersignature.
2:56:18
